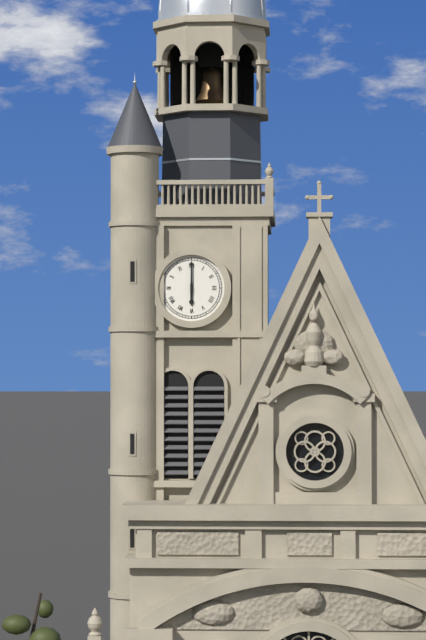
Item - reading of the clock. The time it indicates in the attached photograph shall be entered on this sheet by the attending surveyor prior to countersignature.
6:00
